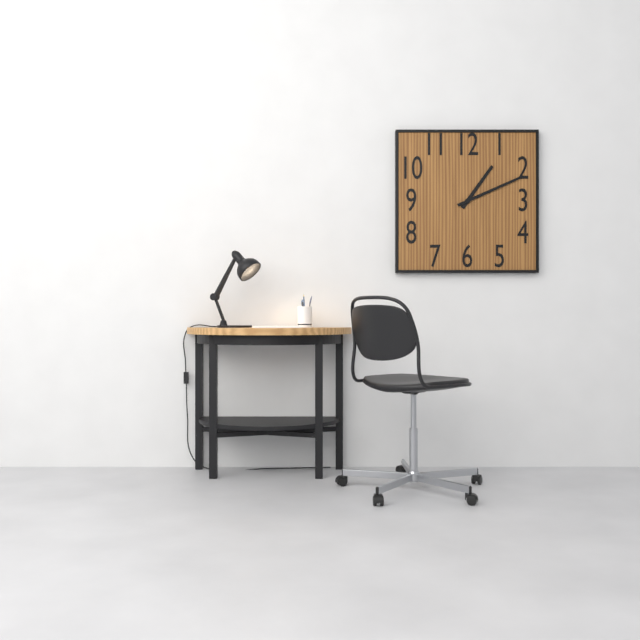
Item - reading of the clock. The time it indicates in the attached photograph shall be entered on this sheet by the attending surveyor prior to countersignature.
1:11
